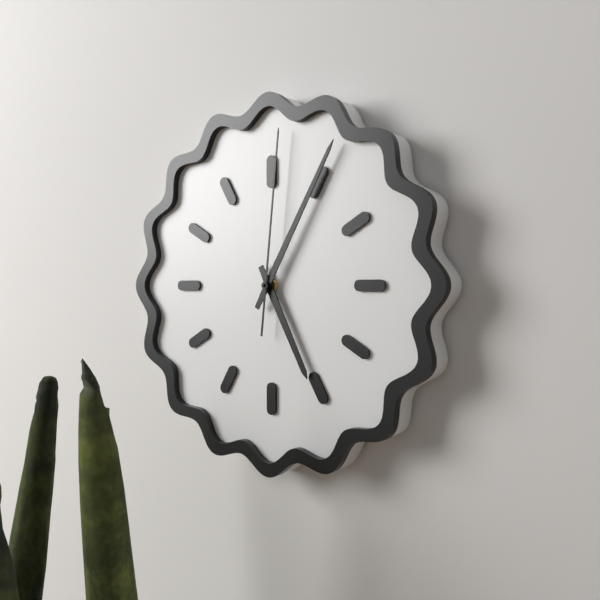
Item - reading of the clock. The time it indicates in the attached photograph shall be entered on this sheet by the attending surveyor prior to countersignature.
5:05:01
